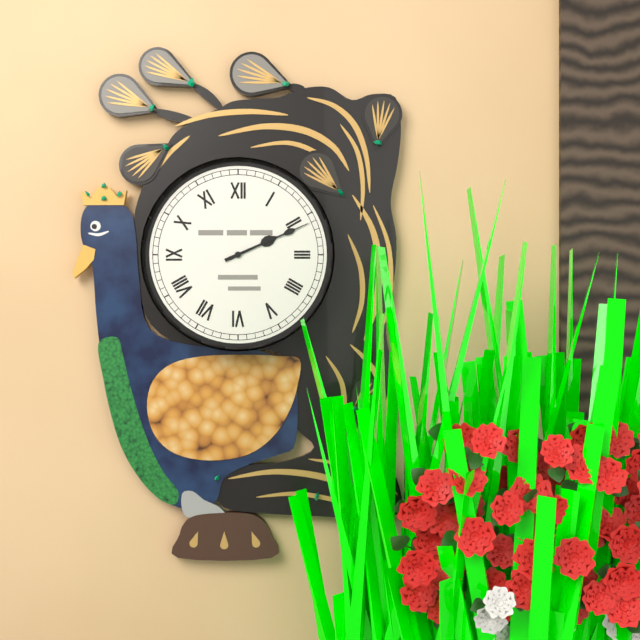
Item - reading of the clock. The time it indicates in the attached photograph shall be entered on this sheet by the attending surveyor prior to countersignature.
2:11
